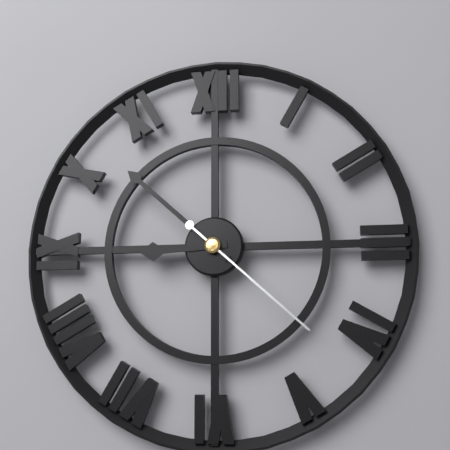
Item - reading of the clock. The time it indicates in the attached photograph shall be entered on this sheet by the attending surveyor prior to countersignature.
8:52:22
